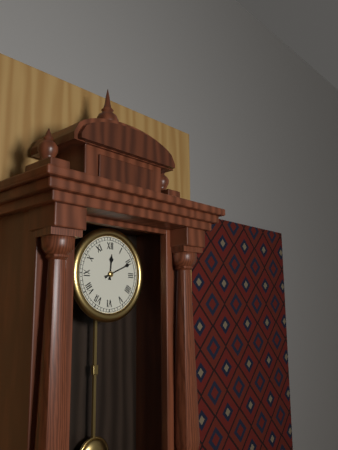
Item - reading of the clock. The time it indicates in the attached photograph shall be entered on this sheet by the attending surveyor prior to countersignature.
12:11
